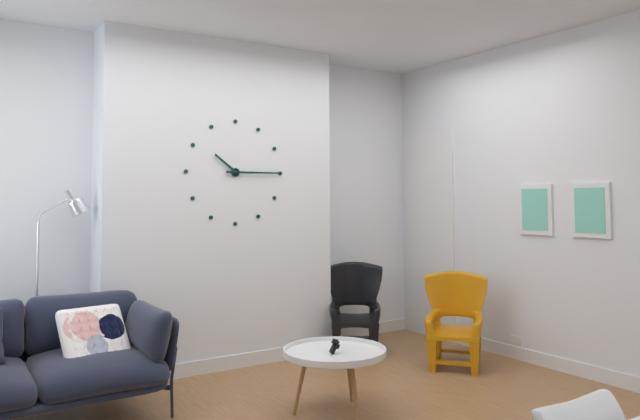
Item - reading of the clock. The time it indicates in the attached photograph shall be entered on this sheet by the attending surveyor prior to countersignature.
10:15
